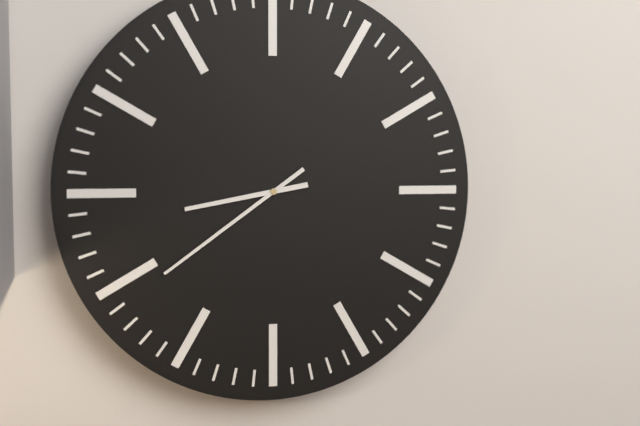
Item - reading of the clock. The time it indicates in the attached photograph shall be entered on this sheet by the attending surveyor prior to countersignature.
8:39
